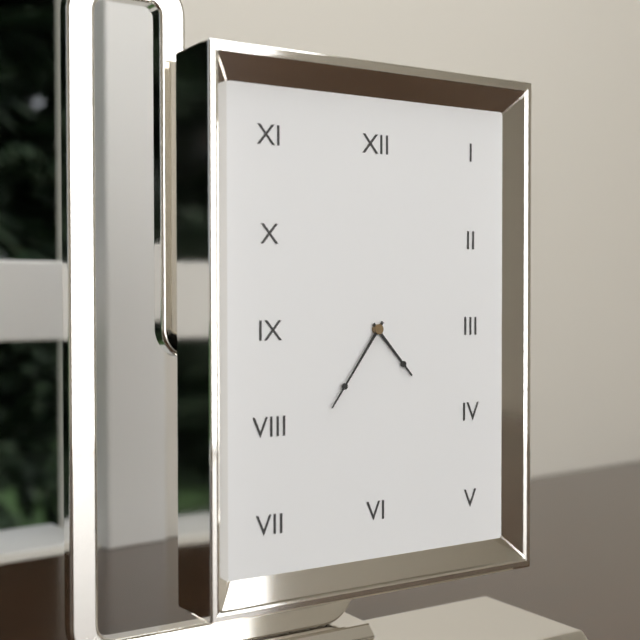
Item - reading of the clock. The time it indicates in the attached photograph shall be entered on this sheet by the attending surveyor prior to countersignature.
4:36
